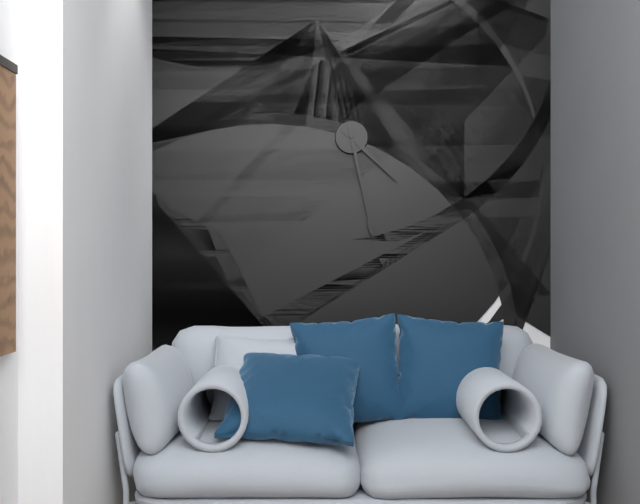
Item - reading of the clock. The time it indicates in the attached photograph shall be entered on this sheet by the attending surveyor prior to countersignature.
4:28
